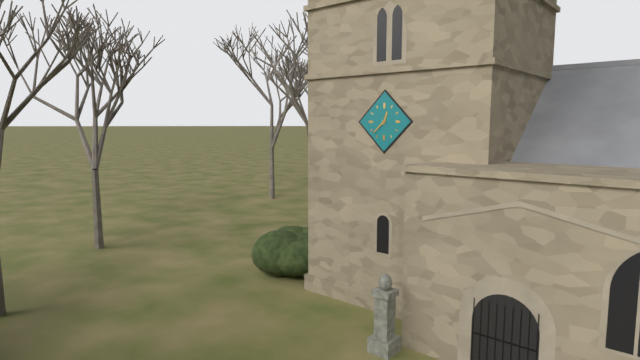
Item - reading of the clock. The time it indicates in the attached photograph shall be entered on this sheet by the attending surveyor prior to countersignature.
12:38
